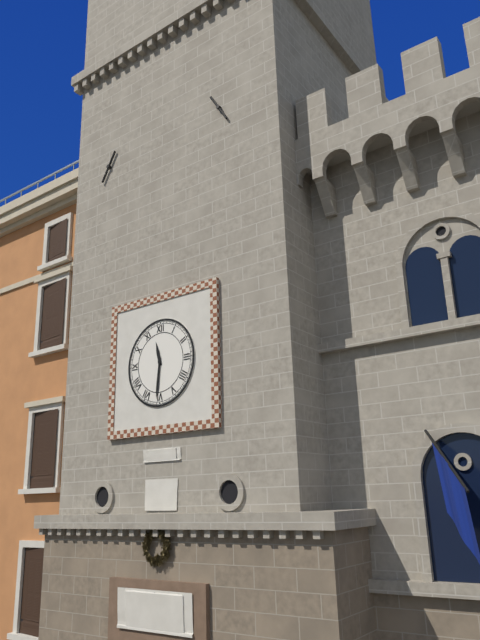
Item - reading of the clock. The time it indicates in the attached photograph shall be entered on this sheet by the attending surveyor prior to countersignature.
11:31
